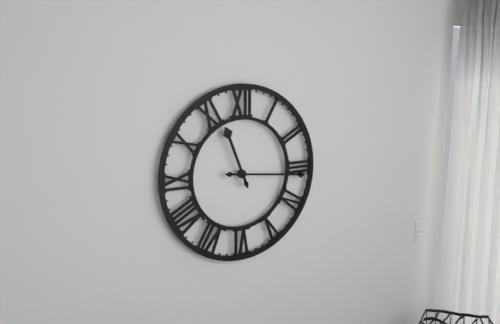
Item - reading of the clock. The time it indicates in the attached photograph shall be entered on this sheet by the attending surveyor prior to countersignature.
11:16
